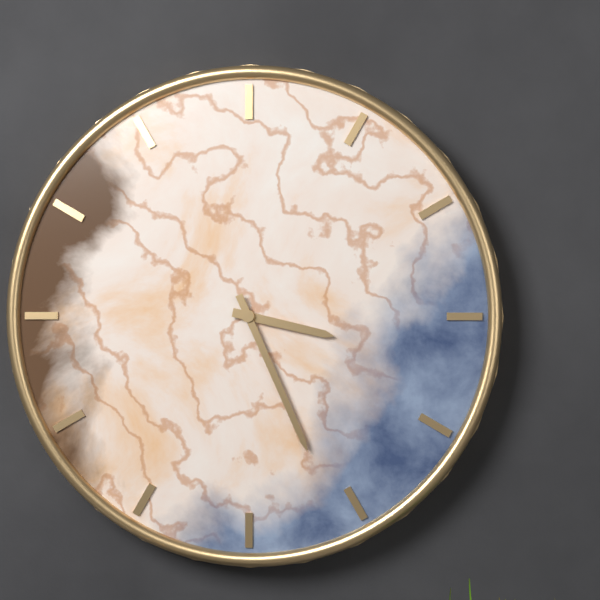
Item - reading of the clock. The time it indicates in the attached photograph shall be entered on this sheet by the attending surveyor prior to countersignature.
3:26
